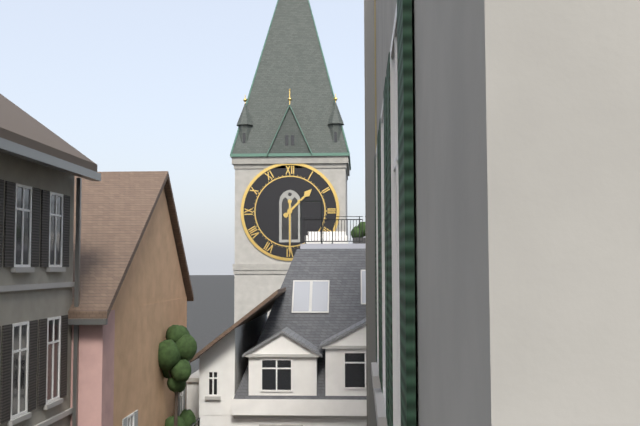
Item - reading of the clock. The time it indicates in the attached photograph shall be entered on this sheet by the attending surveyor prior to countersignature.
1:30
